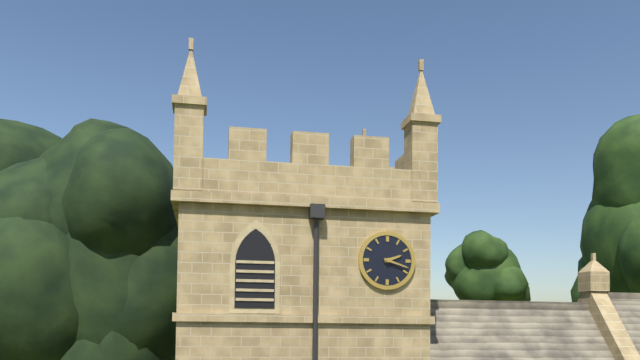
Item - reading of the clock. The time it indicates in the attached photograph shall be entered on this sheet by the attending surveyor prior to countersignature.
2:18
